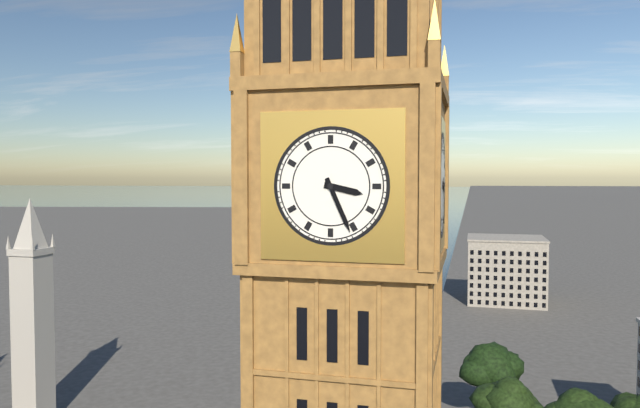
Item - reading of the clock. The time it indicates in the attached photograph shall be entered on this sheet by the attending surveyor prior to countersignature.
3:26
